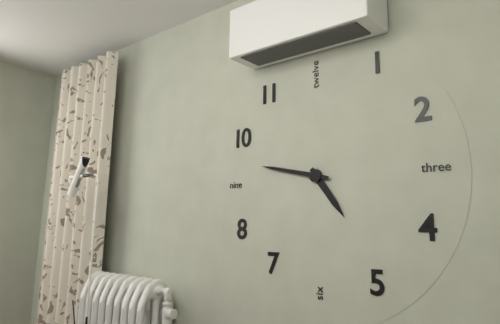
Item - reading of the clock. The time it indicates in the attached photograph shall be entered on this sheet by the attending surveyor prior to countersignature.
4:47
